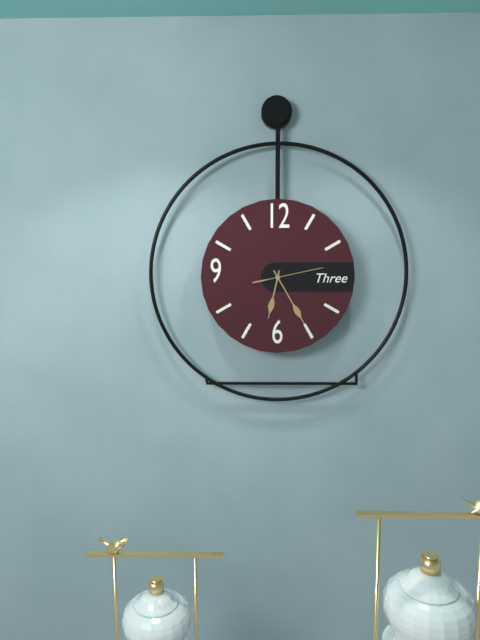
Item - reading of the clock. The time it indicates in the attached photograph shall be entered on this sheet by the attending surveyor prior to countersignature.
6:25:13
